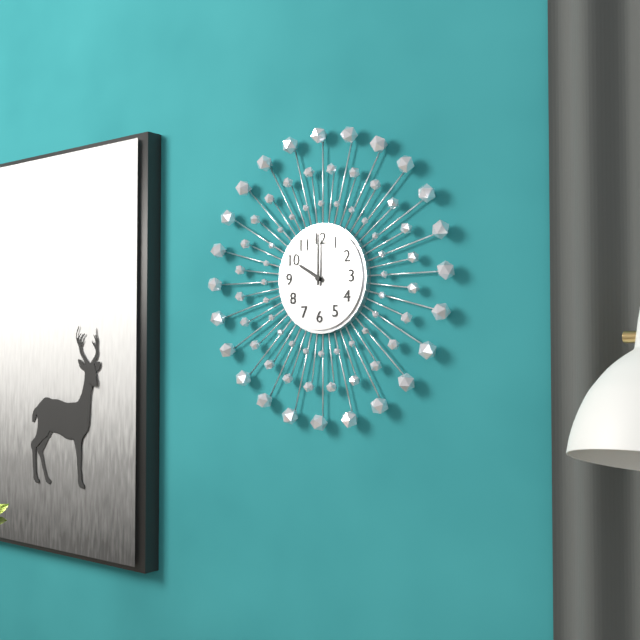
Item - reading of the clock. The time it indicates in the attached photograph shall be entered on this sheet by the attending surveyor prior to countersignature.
10:00
